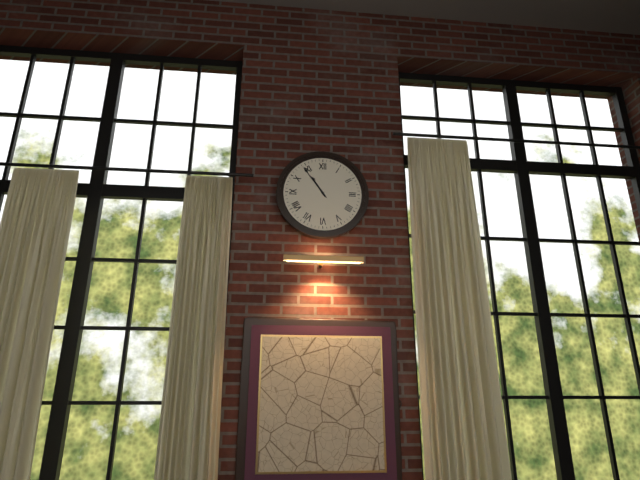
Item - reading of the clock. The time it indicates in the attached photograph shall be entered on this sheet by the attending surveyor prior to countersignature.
10:54
